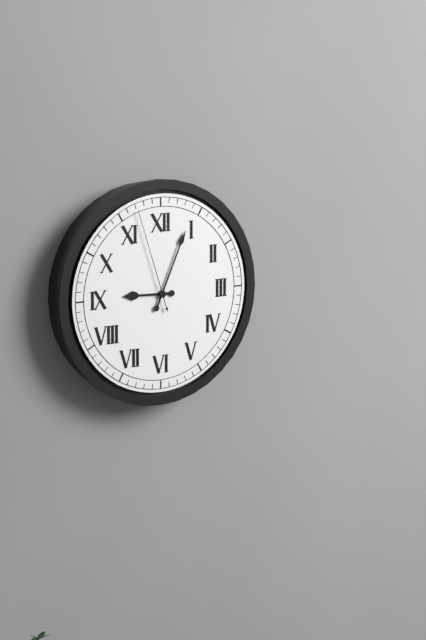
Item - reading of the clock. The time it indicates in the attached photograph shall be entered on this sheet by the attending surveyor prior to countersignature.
9:04:57
